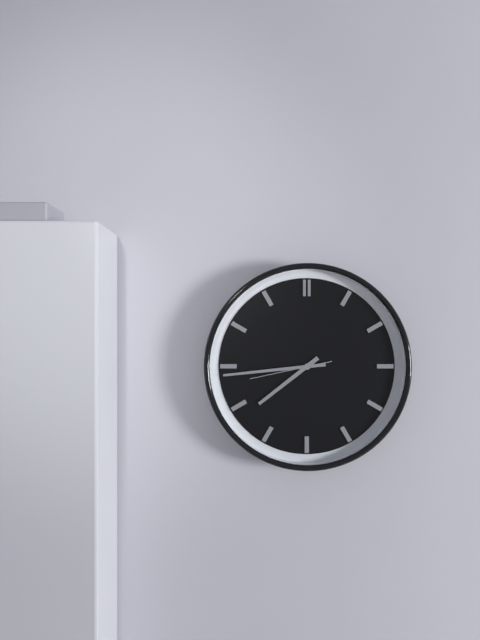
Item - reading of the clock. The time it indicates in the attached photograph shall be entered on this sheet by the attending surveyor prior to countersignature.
7:44:43
